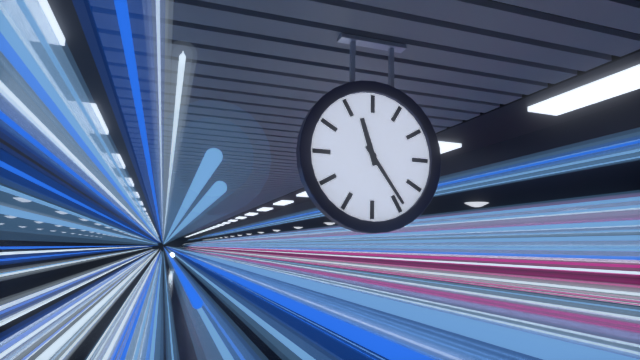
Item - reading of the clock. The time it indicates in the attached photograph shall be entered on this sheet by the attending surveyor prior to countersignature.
11:24
